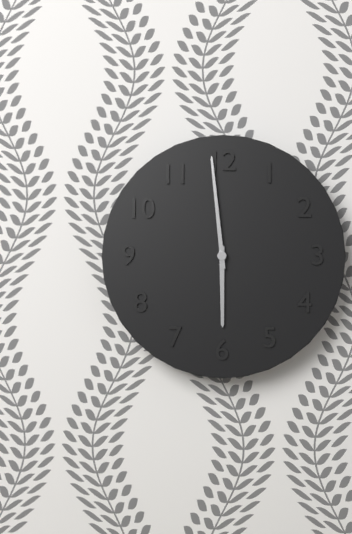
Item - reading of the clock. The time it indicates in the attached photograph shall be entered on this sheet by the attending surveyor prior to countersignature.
5:59
